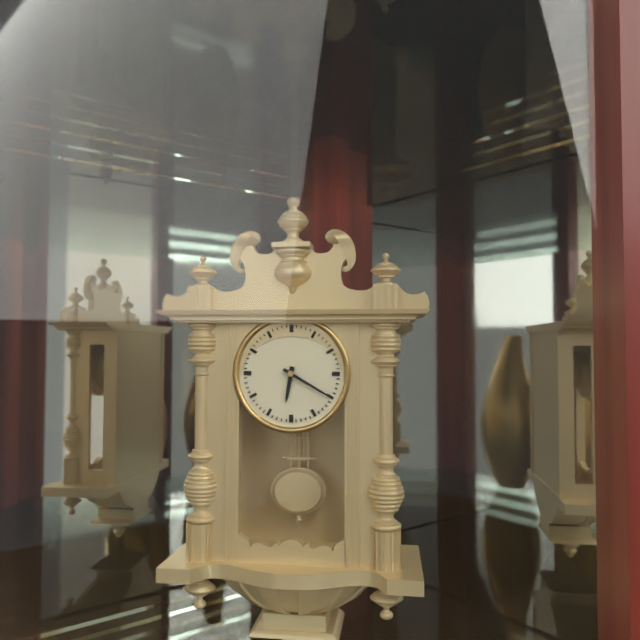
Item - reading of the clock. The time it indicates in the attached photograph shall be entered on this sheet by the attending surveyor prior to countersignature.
6:20
